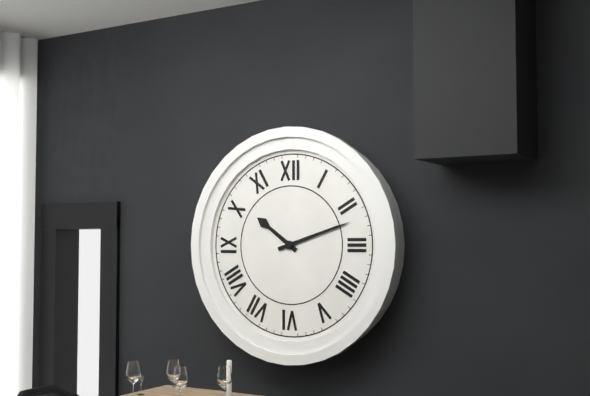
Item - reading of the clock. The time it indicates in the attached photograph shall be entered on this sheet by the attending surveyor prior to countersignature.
10:12
